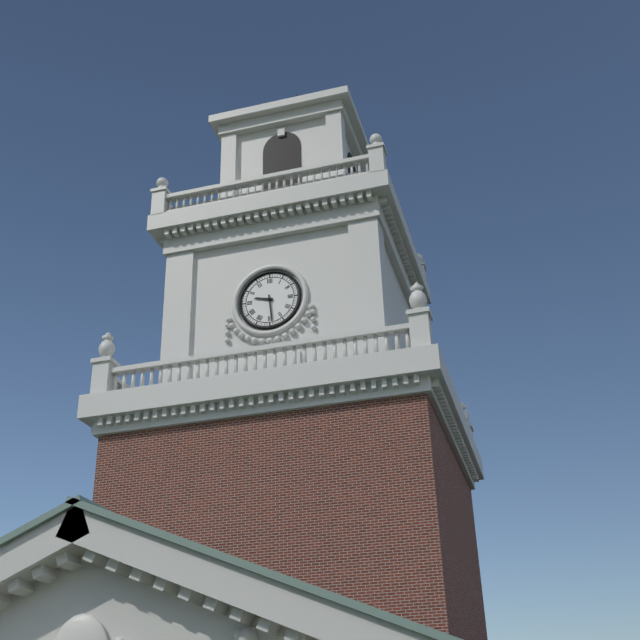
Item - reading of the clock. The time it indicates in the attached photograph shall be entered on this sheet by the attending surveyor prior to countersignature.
9:29
